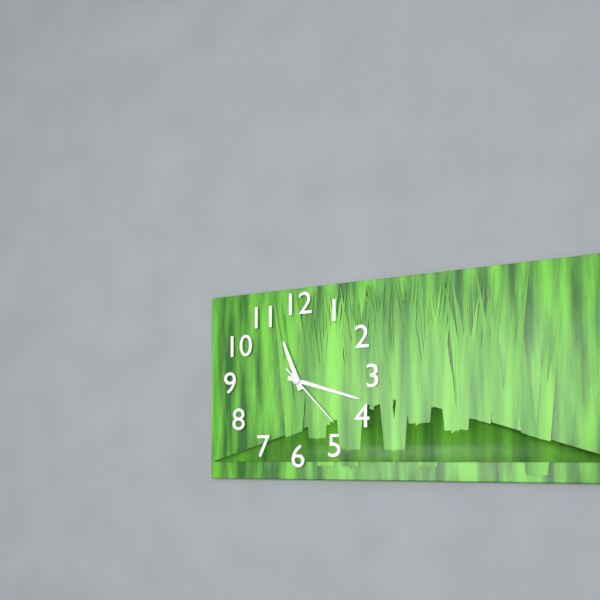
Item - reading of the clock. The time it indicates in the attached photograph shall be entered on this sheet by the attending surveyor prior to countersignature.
11:18:23
